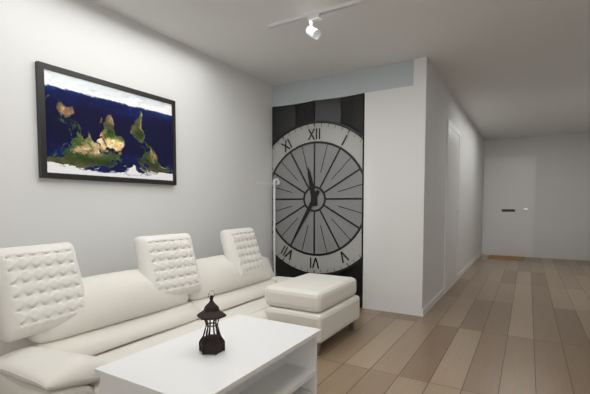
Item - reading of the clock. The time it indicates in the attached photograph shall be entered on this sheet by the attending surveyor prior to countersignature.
11:35
